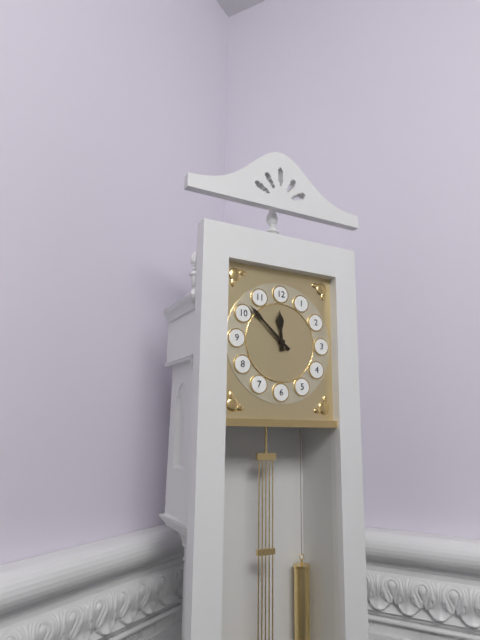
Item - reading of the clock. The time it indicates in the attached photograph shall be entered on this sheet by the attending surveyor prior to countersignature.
11:52
